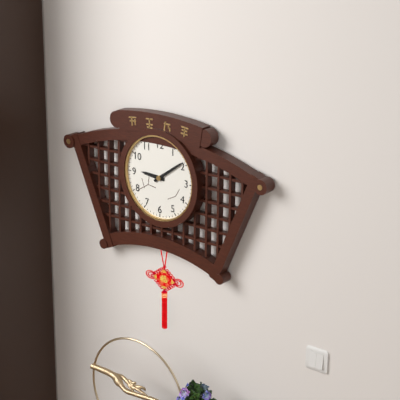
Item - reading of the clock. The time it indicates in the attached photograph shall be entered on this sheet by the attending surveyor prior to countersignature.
9:09
